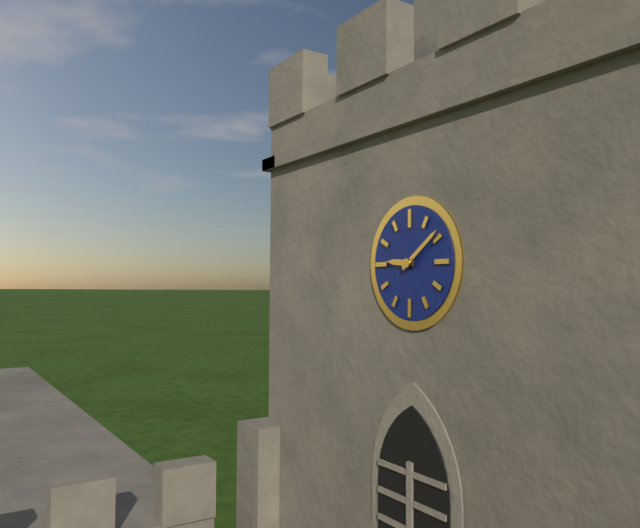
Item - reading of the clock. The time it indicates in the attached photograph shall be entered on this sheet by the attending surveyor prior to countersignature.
9:09
